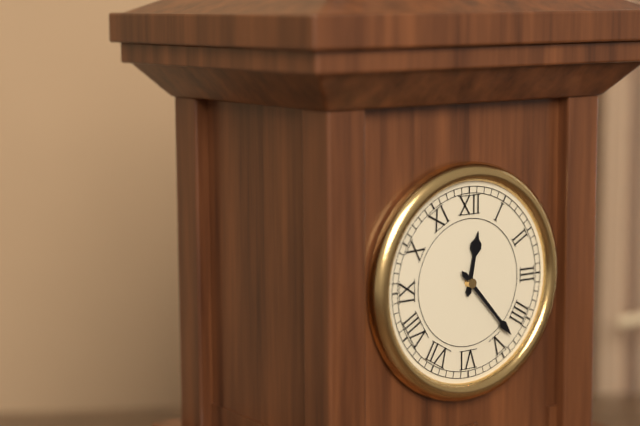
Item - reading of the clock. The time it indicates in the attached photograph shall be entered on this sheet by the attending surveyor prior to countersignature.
12:23
